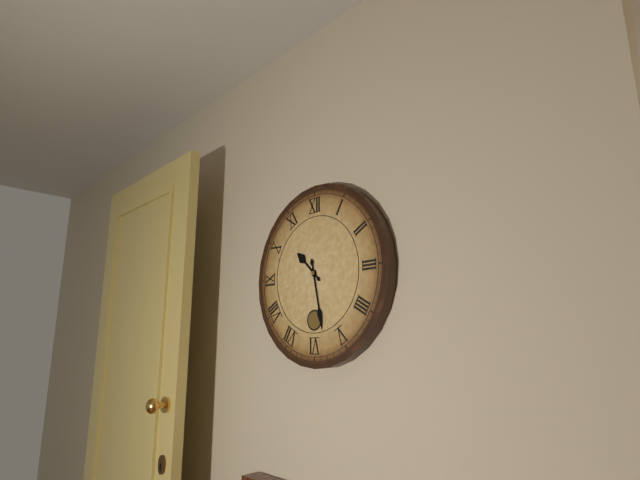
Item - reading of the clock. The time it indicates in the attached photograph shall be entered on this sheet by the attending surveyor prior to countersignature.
10:28
